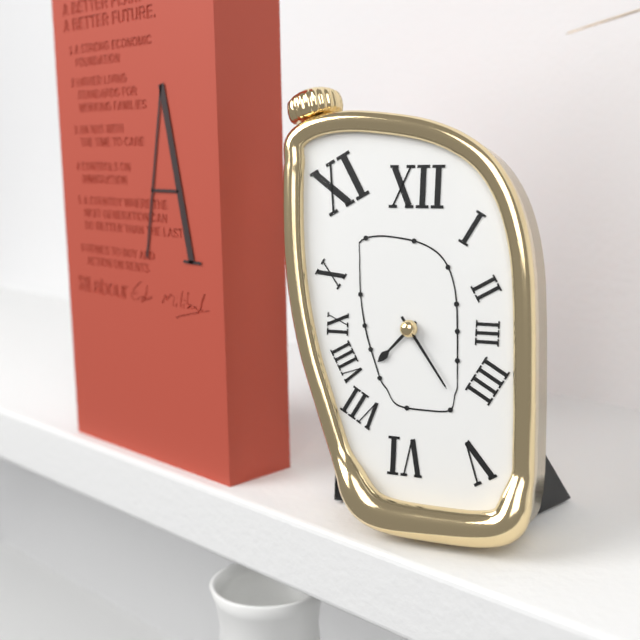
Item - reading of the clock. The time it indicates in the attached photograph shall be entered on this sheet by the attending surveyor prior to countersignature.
7:24
